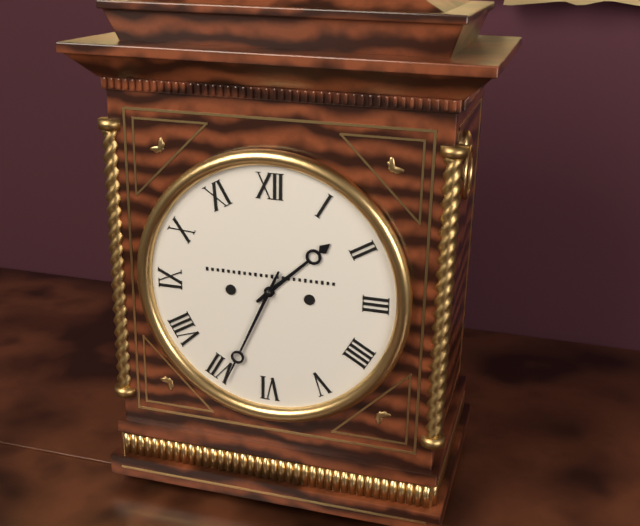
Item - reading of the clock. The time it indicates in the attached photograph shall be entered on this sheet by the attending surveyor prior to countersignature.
1:34
